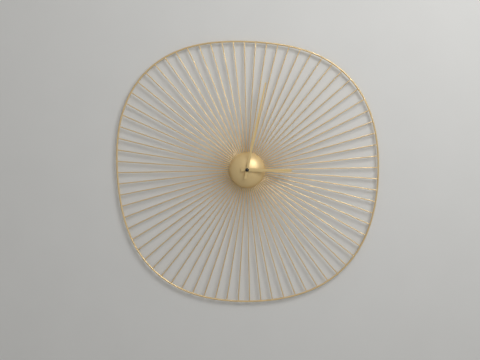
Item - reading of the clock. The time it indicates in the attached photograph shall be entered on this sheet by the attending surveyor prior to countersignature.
3:02
